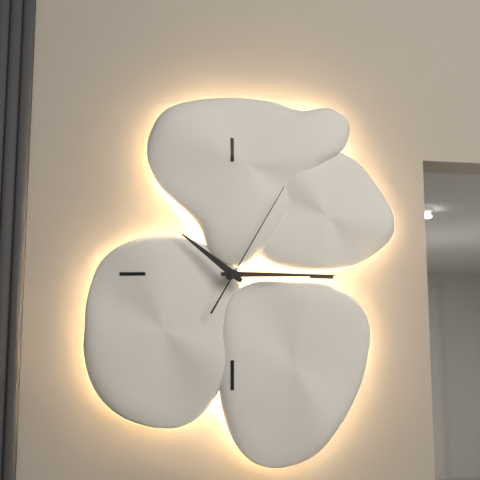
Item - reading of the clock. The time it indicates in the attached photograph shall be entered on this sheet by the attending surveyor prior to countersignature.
10:15:05
